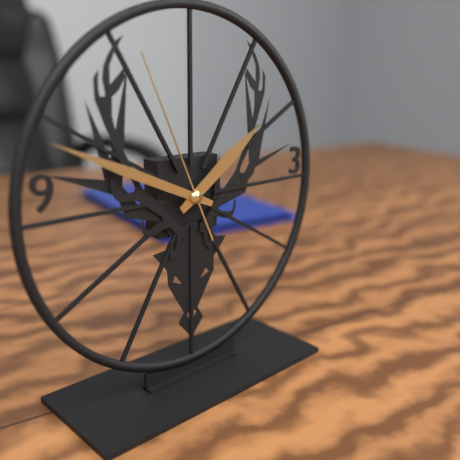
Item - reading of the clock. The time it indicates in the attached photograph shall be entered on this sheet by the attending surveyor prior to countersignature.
1:49:56
